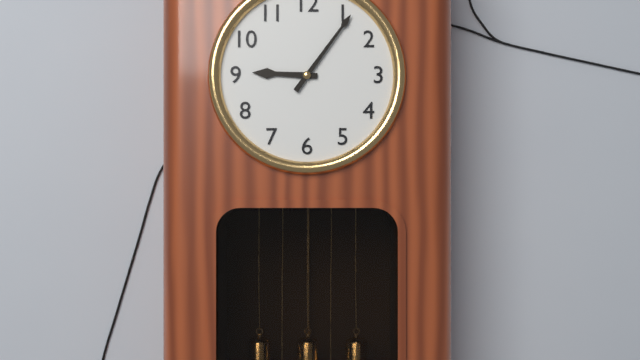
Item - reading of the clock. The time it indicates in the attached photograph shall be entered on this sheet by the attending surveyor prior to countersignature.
9:06
